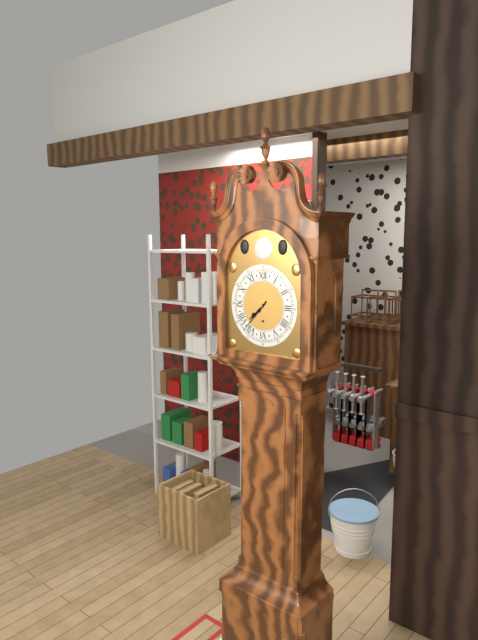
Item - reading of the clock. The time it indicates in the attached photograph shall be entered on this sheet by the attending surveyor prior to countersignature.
7:37
